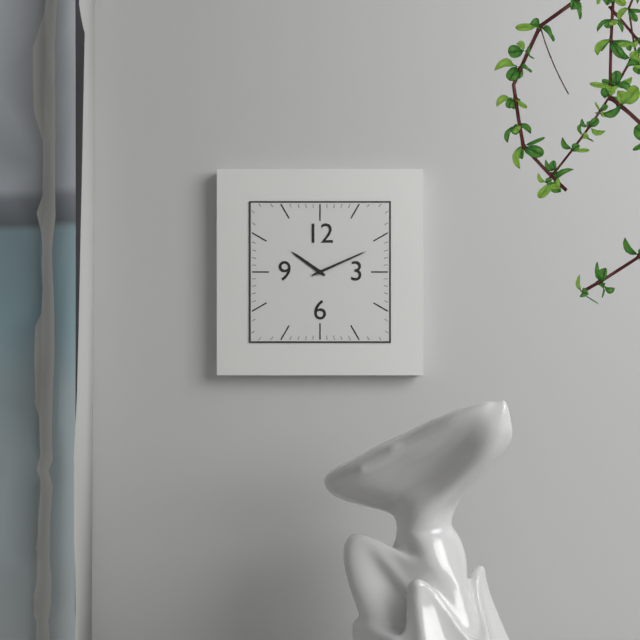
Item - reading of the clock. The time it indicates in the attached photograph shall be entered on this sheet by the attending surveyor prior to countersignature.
10:11
